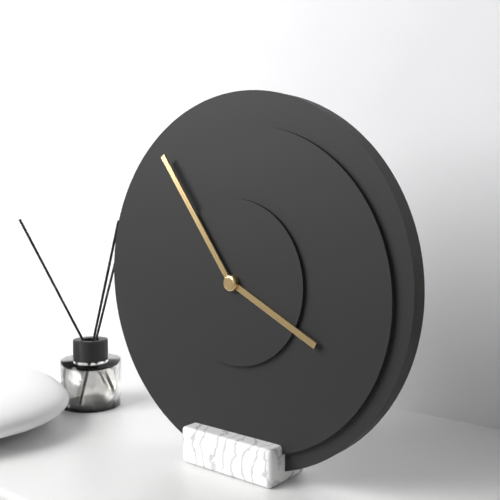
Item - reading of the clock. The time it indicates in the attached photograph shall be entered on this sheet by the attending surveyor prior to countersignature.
3:54
